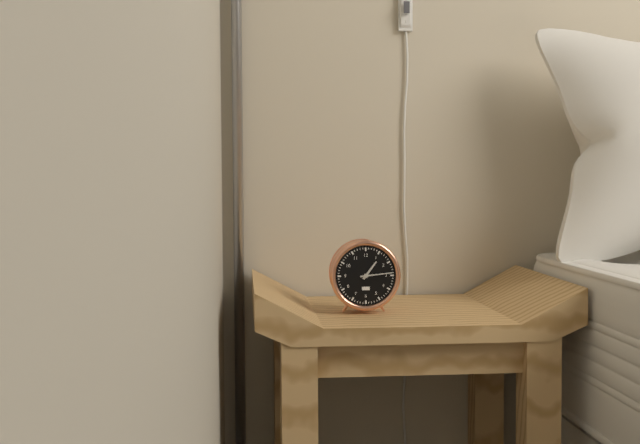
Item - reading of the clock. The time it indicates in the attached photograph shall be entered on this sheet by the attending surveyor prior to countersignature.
1:14
